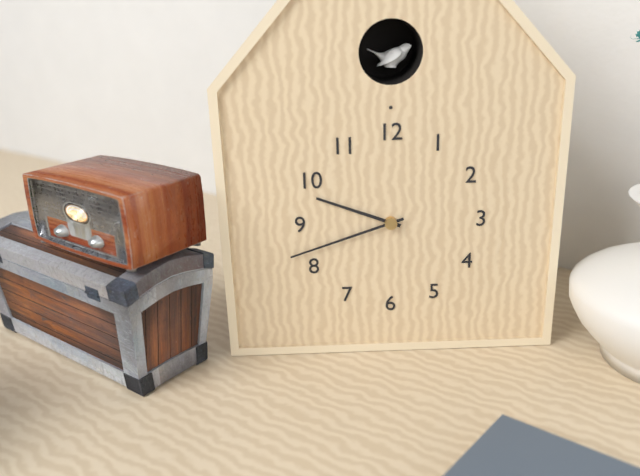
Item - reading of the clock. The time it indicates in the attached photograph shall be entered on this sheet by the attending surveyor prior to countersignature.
9:42
